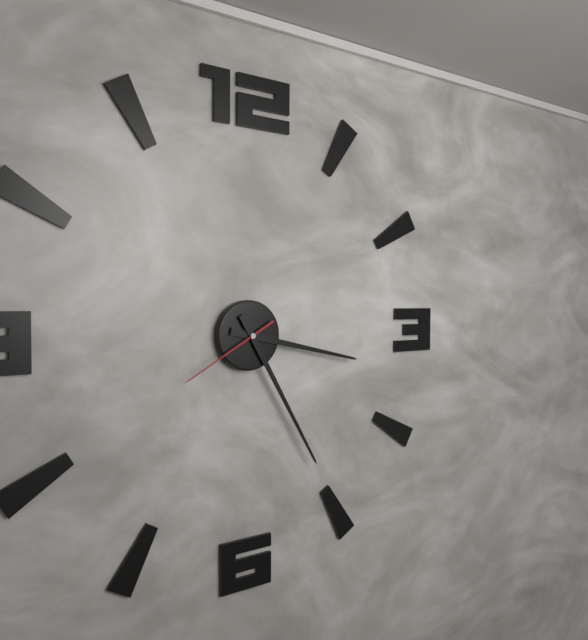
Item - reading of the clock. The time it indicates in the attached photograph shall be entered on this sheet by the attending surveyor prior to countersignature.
3:25:40
